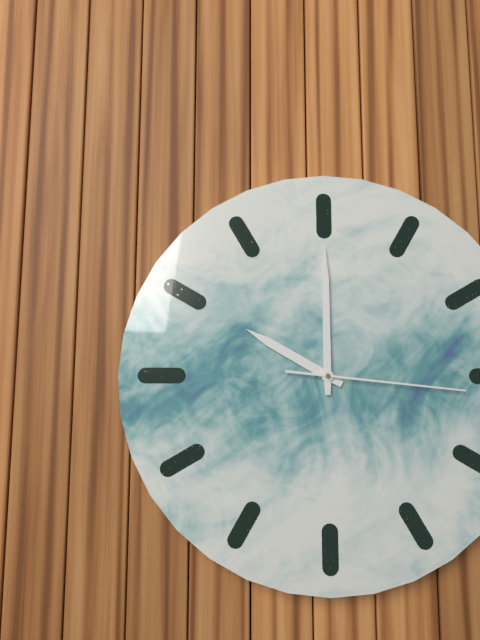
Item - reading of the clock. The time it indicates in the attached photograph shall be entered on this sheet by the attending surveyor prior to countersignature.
10:00:16
